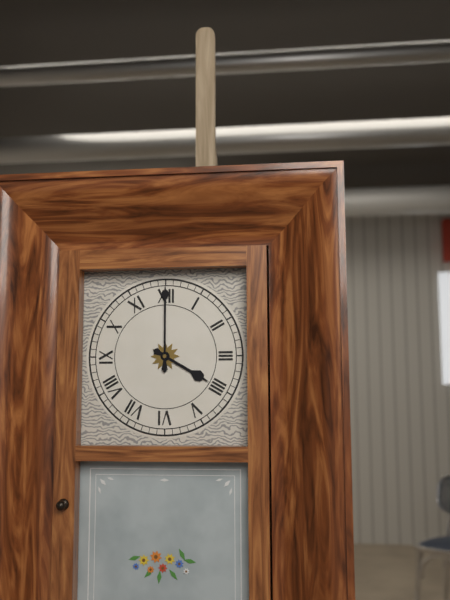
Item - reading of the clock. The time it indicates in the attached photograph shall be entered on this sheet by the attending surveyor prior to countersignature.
4:00
